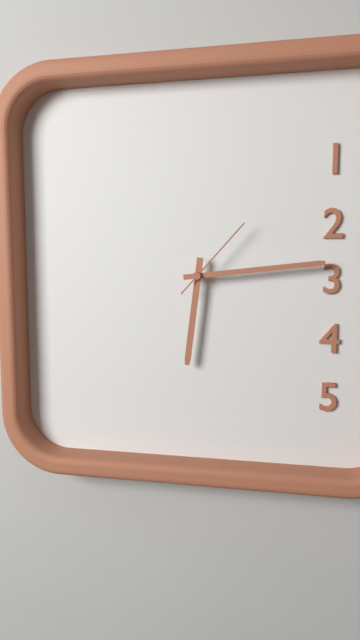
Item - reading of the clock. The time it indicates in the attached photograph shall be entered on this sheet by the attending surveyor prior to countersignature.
6:14:07
